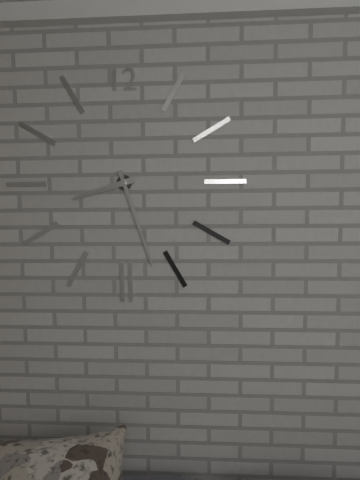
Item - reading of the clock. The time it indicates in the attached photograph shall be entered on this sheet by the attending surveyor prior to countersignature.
8:27
